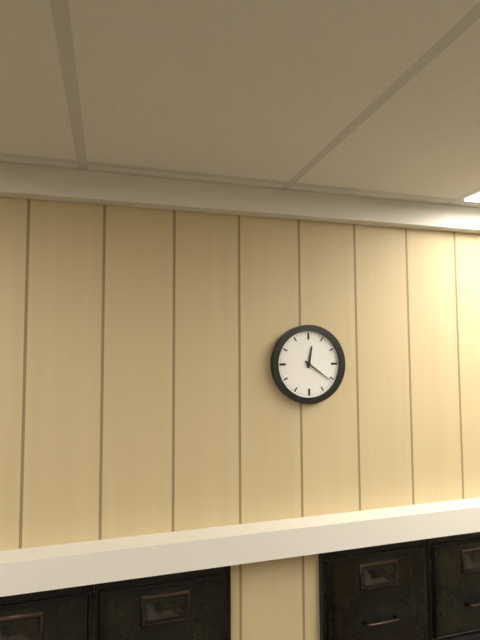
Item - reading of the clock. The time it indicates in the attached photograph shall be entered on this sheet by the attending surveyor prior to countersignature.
12:21
